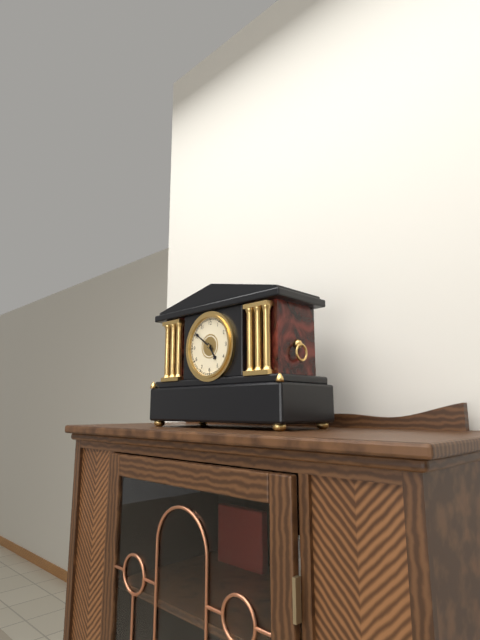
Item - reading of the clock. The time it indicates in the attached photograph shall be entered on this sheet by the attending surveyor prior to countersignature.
4:51
